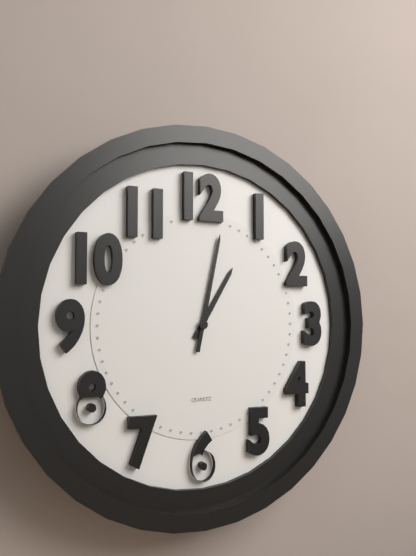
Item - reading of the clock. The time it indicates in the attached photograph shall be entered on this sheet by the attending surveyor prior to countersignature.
1:02
